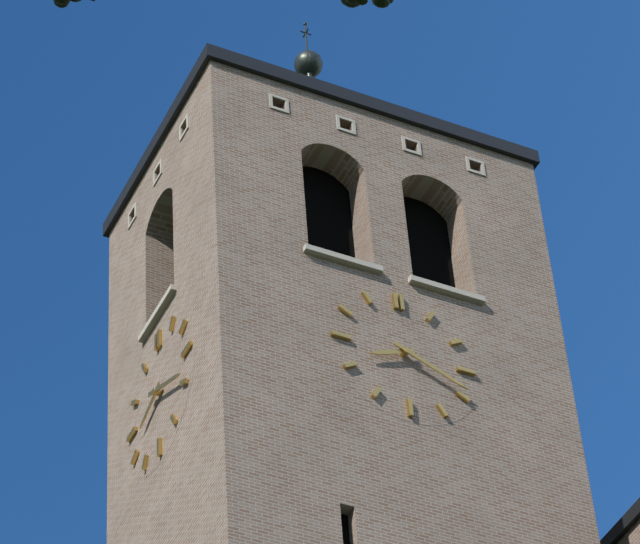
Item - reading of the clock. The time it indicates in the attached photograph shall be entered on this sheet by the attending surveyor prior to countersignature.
8:19
